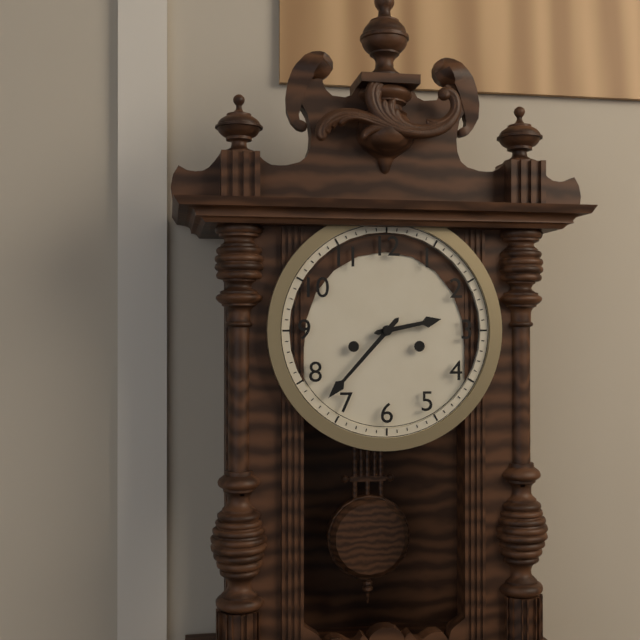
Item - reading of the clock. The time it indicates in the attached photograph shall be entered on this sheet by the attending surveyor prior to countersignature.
2:37
